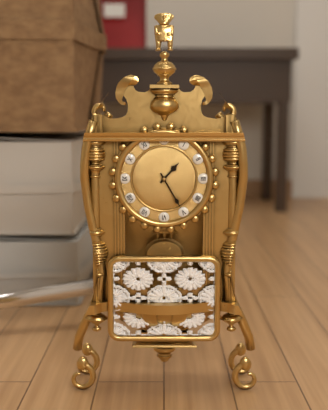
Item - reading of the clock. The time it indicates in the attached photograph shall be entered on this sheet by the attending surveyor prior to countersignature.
1:25
